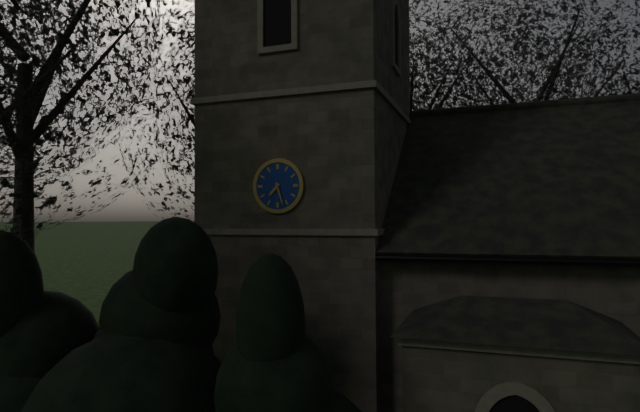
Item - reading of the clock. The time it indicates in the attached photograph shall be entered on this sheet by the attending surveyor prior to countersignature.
7:27
